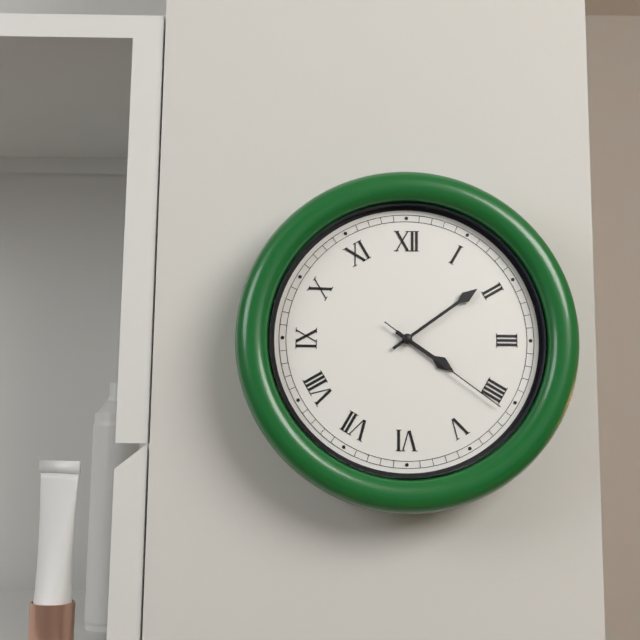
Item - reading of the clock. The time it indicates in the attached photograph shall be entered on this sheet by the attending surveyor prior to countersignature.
4:09:21
